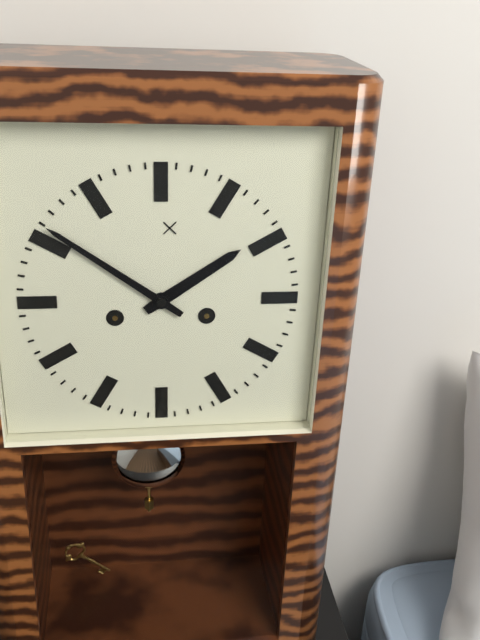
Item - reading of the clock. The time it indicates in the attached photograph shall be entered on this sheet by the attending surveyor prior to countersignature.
1:51
